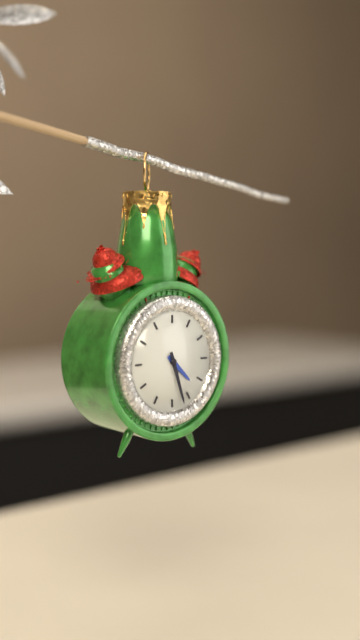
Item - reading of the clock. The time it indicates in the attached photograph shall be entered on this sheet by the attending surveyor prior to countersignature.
4:27
